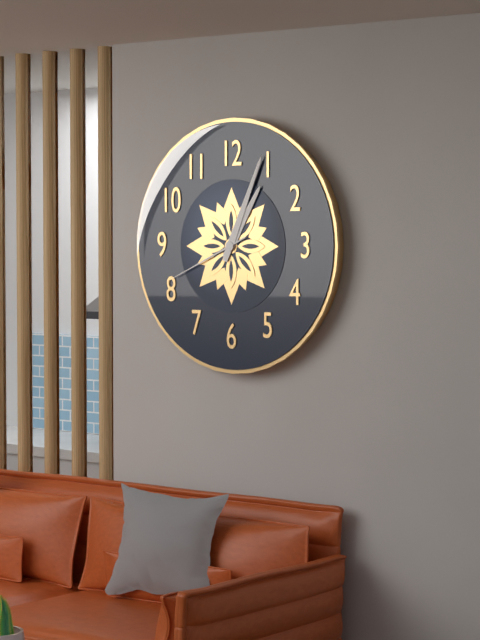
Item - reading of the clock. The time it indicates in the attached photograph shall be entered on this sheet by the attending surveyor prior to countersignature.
1:04:41
